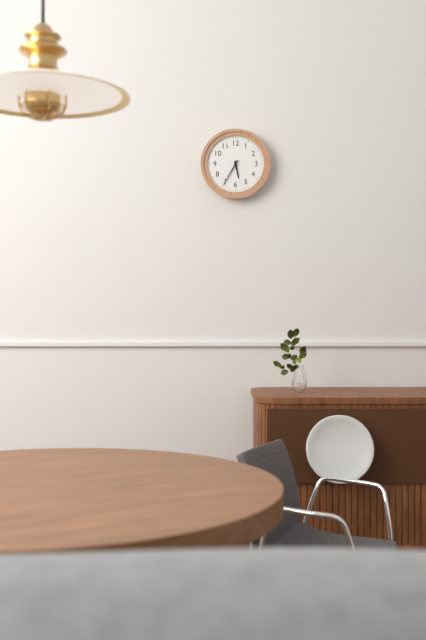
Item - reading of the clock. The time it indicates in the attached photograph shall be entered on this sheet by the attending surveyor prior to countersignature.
5:35
